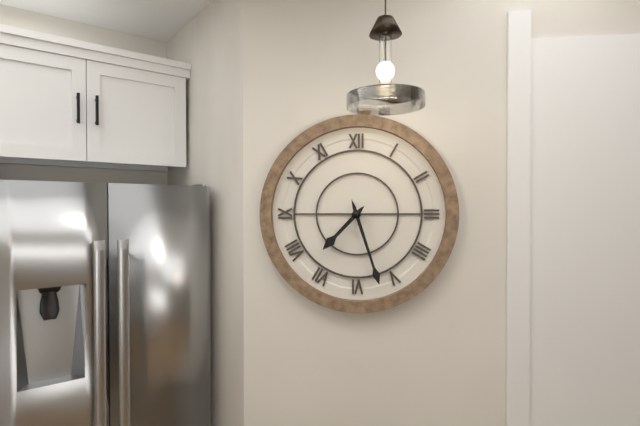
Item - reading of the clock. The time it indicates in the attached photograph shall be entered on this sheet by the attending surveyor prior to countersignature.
7:27
